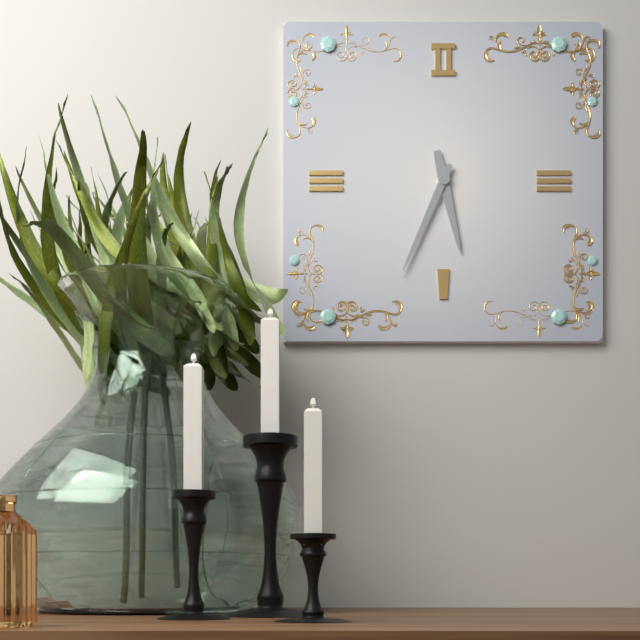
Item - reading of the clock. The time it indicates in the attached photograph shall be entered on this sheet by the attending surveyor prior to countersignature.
5:34
